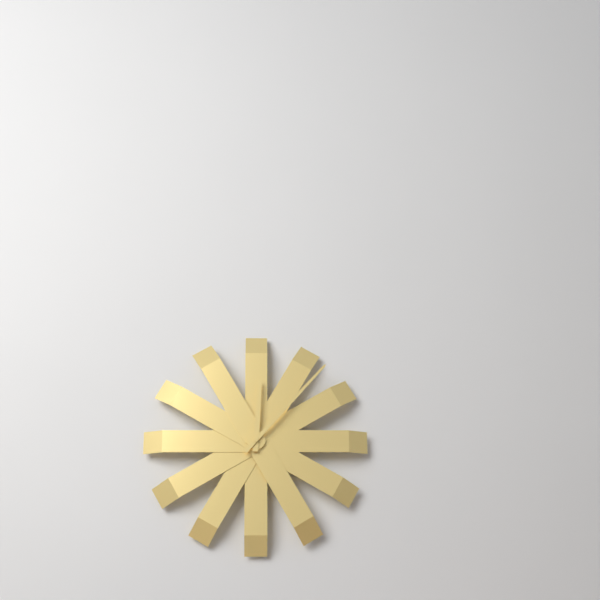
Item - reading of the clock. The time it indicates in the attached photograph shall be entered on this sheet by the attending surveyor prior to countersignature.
12:07
